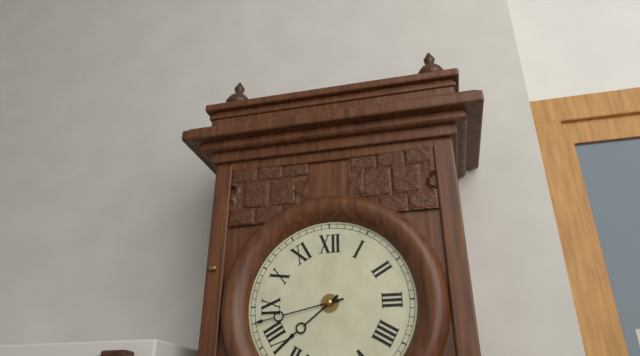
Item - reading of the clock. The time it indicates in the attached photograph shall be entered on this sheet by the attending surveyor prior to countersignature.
7:43
